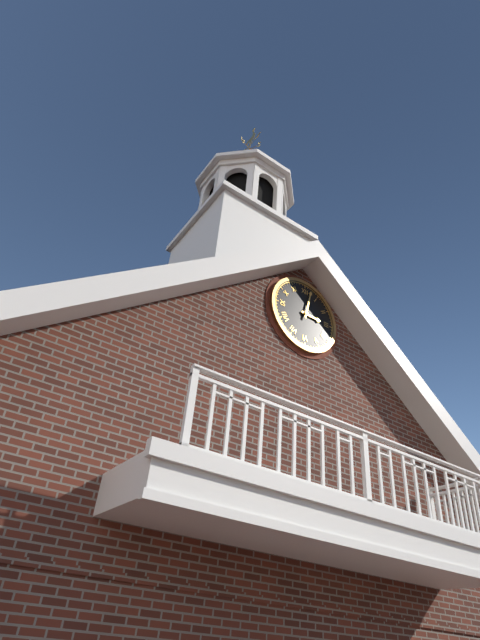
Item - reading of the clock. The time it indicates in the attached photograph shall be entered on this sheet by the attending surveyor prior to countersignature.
3:02
